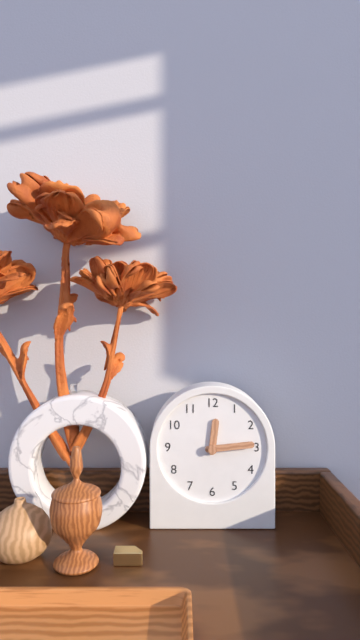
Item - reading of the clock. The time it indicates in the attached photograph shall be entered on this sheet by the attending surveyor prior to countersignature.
12:14
